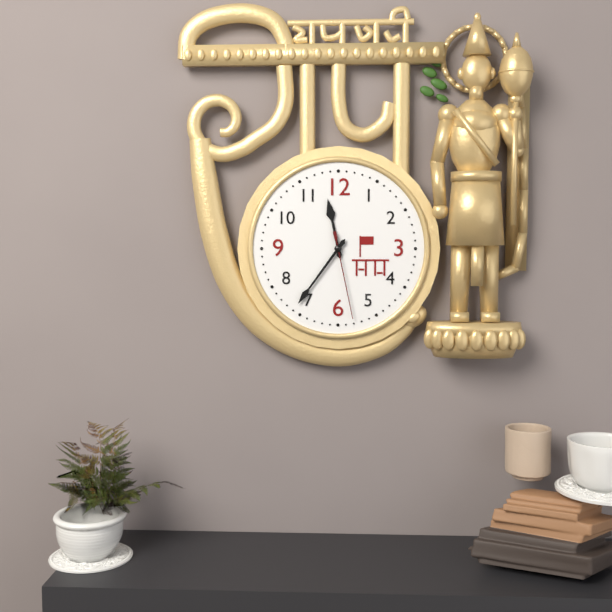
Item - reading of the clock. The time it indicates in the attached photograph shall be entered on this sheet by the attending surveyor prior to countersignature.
11:36:28
